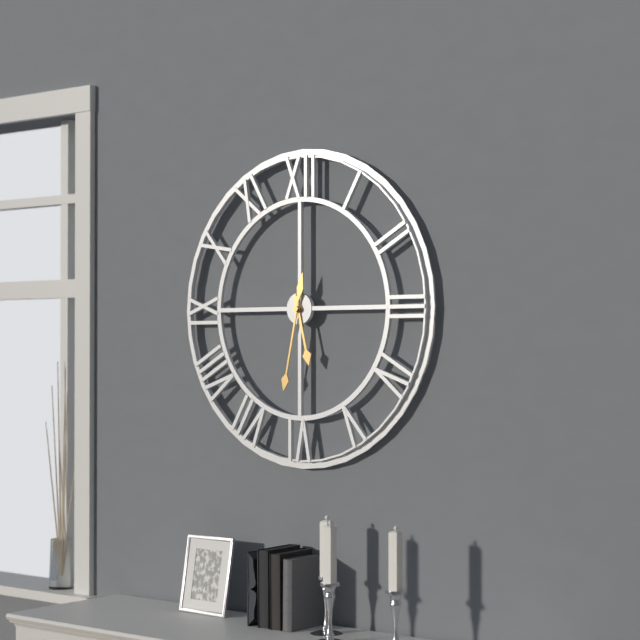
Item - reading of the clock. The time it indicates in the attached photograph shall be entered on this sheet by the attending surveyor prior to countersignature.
5:32
